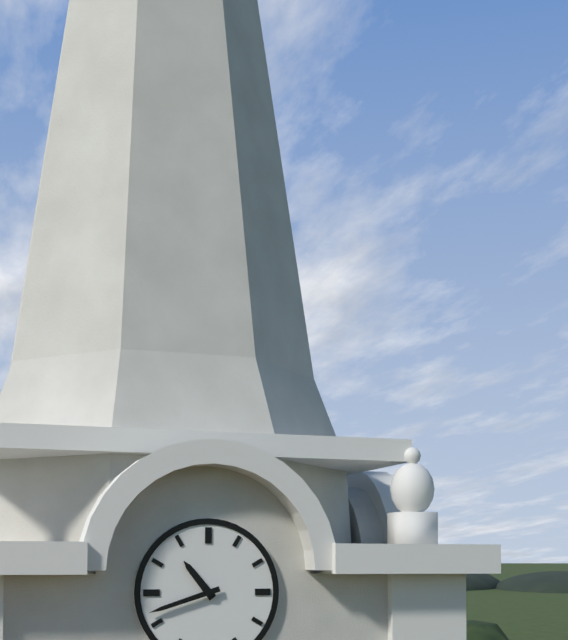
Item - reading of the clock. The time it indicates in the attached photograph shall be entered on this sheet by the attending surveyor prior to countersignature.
10:42
